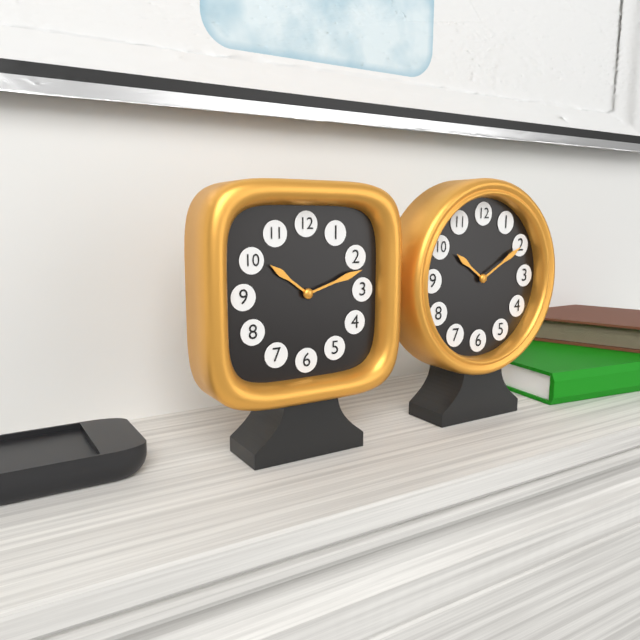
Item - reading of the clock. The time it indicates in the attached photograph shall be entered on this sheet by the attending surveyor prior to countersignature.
10:12
